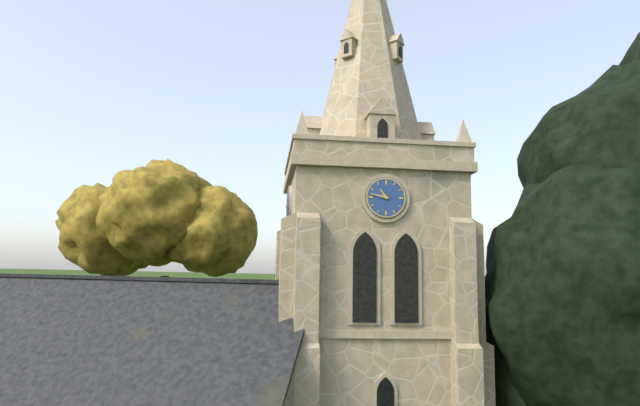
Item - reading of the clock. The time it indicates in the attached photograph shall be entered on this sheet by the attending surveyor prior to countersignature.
10:47
